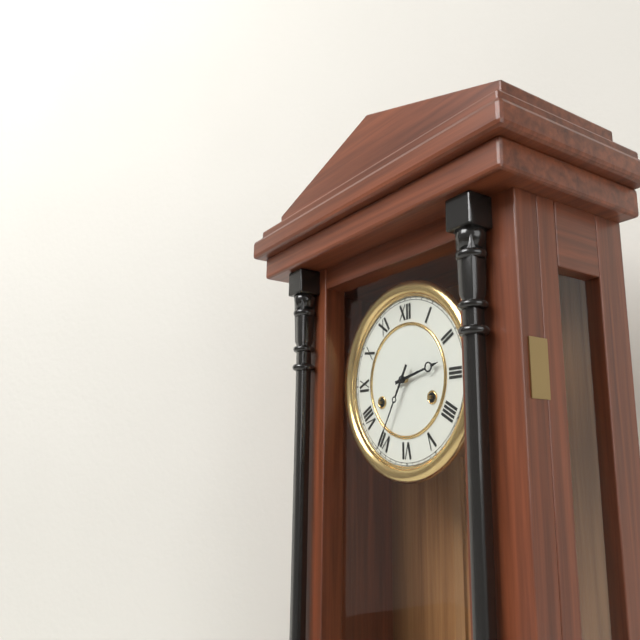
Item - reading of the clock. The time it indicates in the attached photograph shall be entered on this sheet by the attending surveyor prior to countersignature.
2:35
